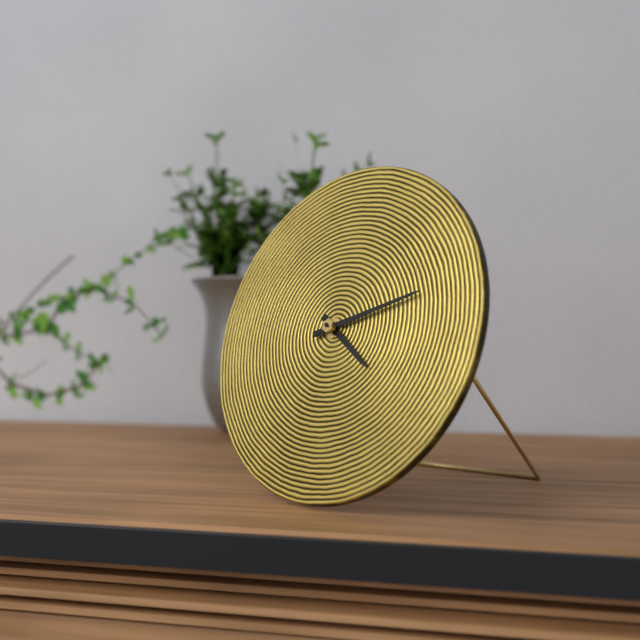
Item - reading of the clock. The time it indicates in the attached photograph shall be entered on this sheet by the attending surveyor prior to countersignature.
4:12
